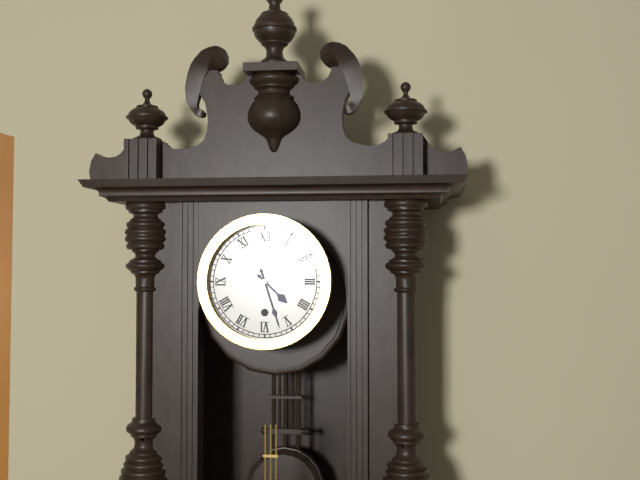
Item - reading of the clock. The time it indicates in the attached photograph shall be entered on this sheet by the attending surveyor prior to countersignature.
4:27
